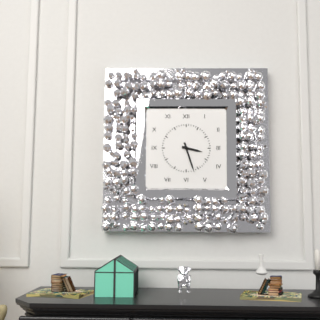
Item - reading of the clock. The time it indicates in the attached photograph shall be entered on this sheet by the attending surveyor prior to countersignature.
3:27
